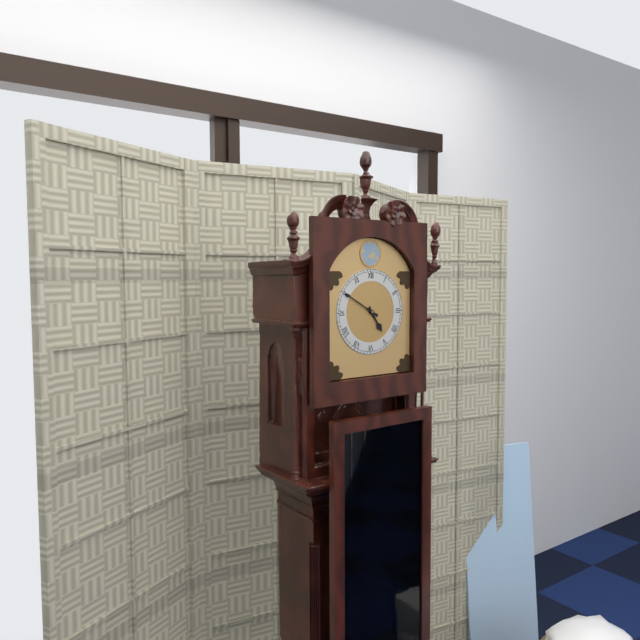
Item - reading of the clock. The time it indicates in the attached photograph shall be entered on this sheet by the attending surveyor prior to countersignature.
4:50
